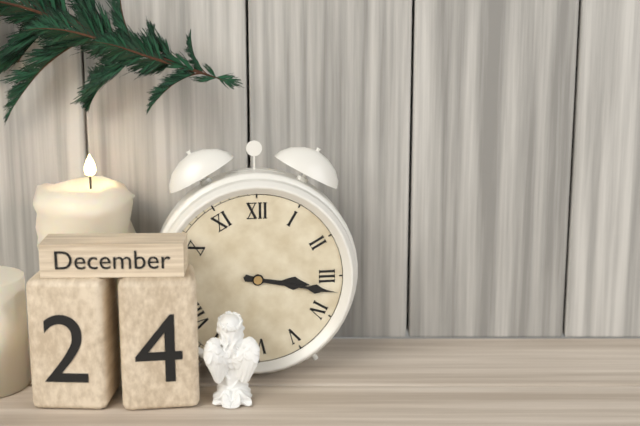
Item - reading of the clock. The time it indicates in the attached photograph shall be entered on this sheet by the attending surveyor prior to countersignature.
3:17
